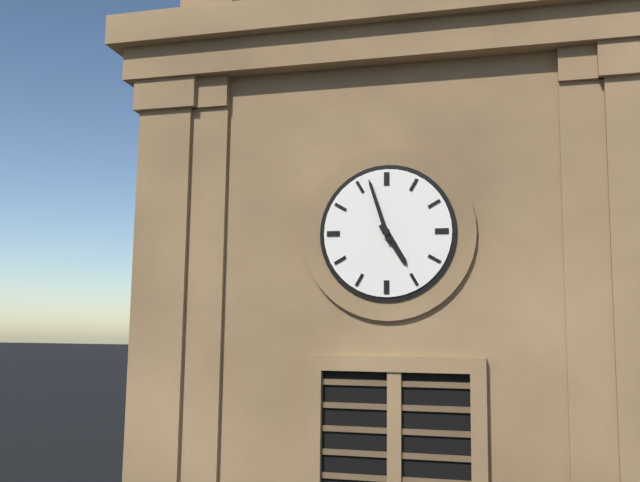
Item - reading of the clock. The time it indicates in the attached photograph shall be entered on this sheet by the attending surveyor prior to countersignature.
4:57
